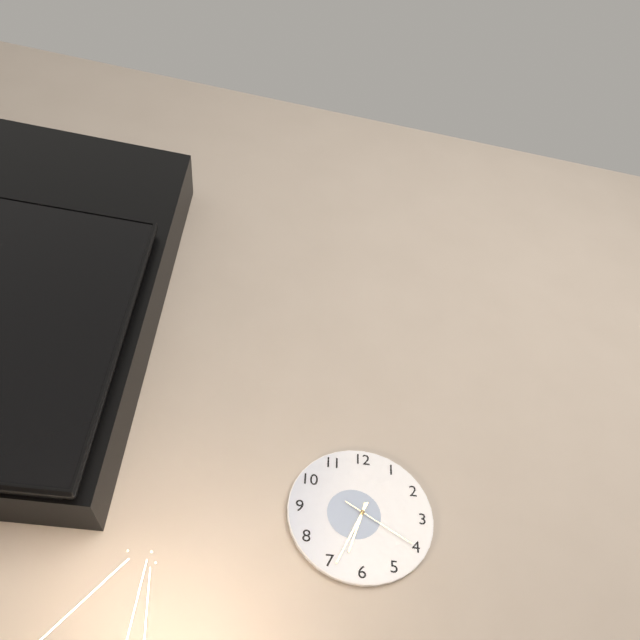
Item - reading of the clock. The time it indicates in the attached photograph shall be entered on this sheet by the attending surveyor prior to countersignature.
6:34:20
